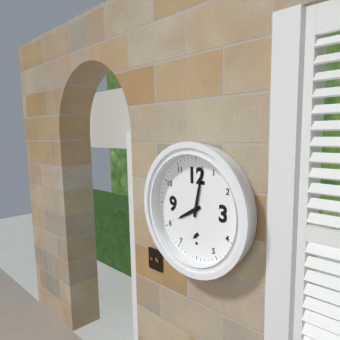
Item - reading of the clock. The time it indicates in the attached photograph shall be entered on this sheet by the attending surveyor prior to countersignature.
8:02
